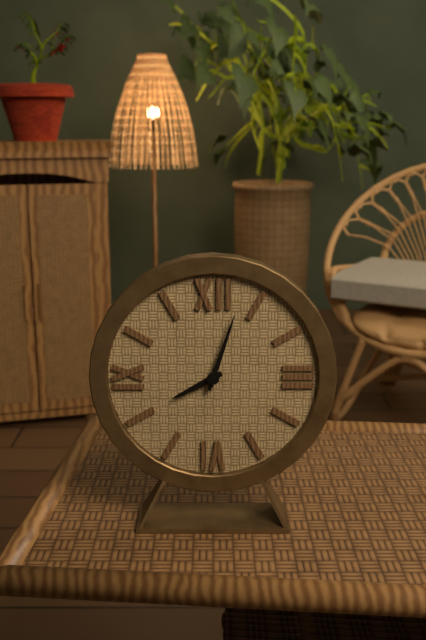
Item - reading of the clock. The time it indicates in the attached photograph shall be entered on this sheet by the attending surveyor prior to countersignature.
8:03
